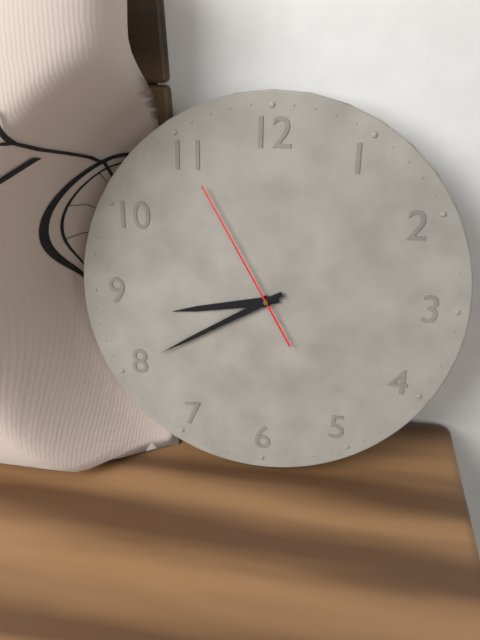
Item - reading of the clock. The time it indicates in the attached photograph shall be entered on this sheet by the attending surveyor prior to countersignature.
8:40:55
